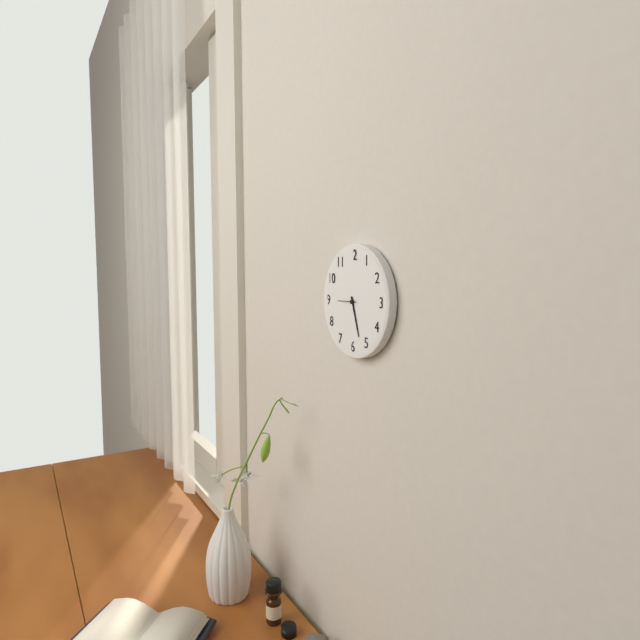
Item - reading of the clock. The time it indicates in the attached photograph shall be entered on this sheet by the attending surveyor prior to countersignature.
5:27
